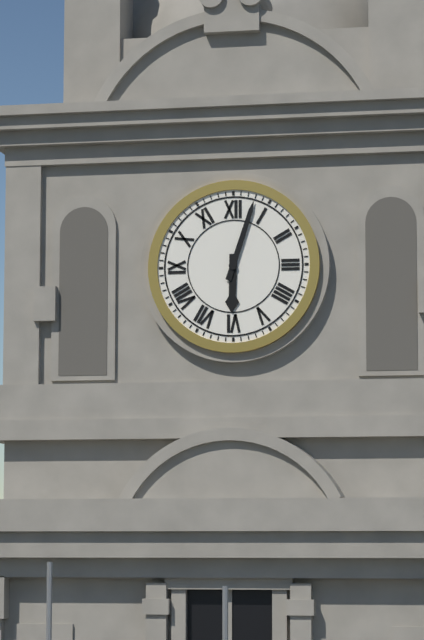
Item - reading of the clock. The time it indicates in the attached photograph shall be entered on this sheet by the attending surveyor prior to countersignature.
6:03
